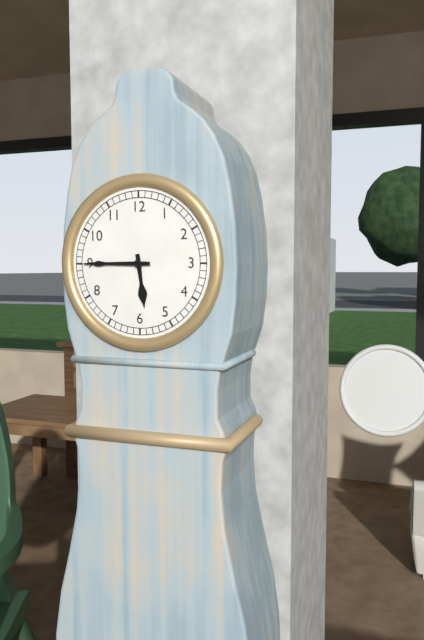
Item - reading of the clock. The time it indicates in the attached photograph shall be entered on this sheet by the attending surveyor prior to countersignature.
5:45
